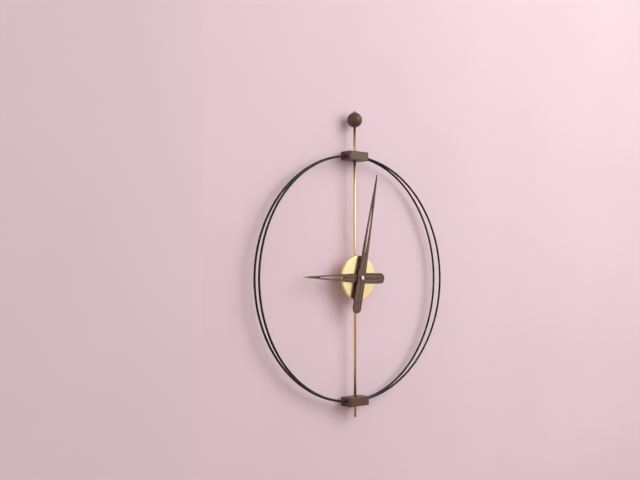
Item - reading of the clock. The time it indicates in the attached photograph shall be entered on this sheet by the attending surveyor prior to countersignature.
9:02
